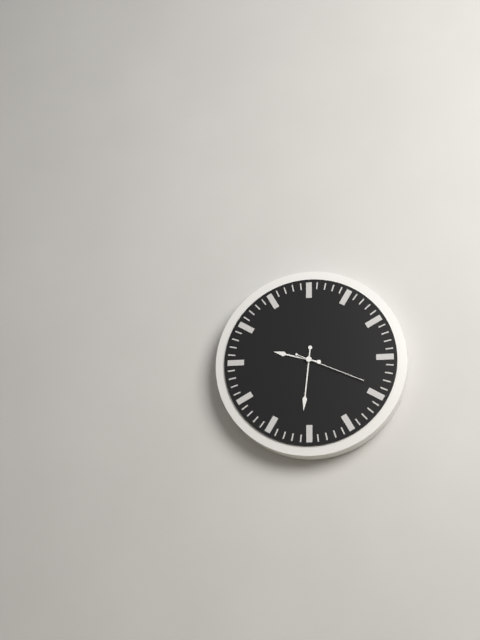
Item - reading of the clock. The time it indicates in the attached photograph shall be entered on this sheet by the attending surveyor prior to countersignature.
9:31:19
